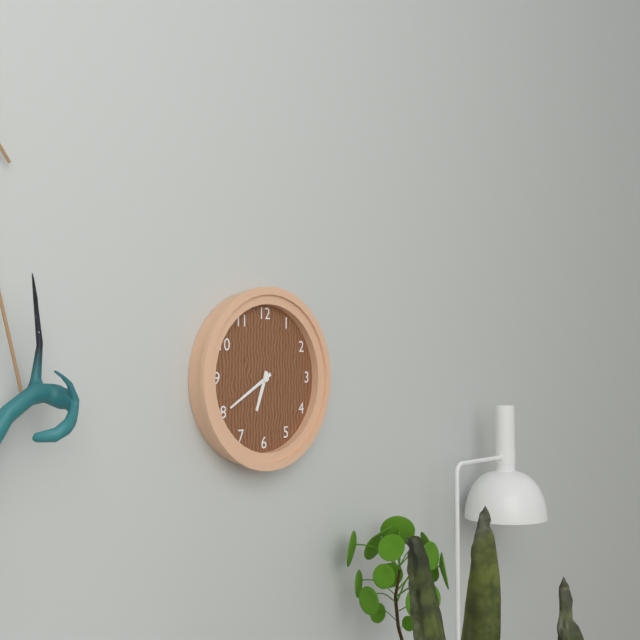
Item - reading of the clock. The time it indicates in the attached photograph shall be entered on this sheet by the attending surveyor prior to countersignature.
6:40
